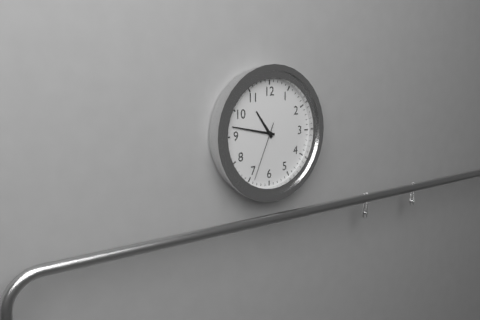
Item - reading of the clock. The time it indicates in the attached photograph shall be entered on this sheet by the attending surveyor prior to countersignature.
10:47:34
